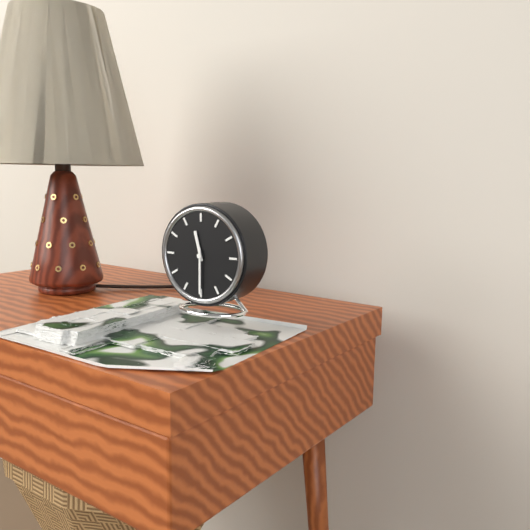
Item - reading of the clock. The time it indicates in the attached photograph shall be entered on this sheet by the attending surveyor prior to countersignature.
11:30
